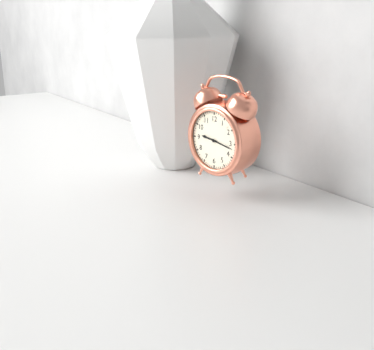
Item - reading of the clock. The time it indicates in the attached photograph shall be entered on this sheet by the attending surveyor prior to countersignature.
9:17
